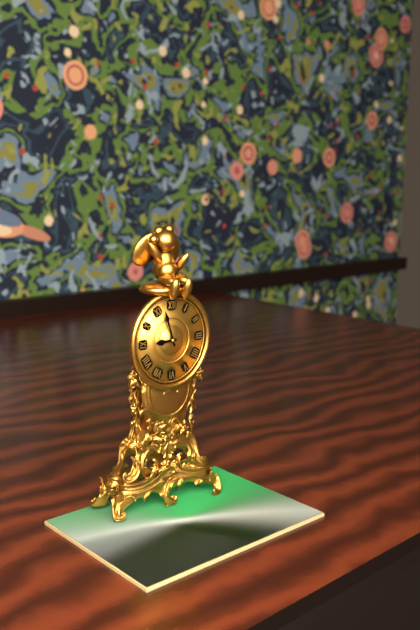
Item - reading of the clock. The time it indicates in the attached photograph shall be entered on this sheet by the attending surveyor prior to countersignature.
8:57
